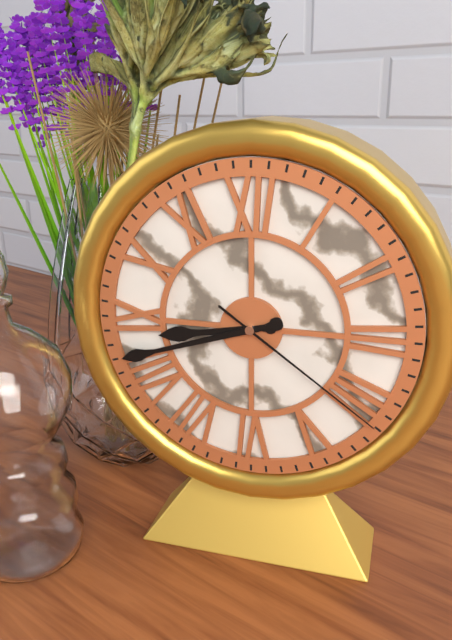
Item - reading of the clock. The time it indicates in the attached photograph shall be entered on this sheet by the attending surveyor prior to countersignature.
8:42:21
